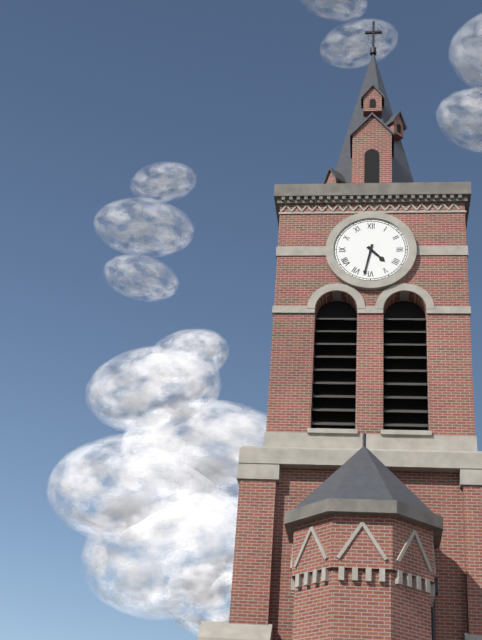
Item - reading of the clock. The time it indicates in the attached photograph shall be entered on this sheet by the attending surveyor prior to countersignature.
4:32
